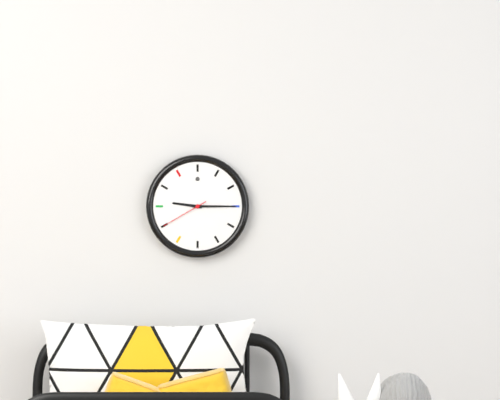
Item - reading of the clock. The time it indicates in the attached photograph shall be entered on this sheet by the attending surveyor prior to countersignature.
9:15
